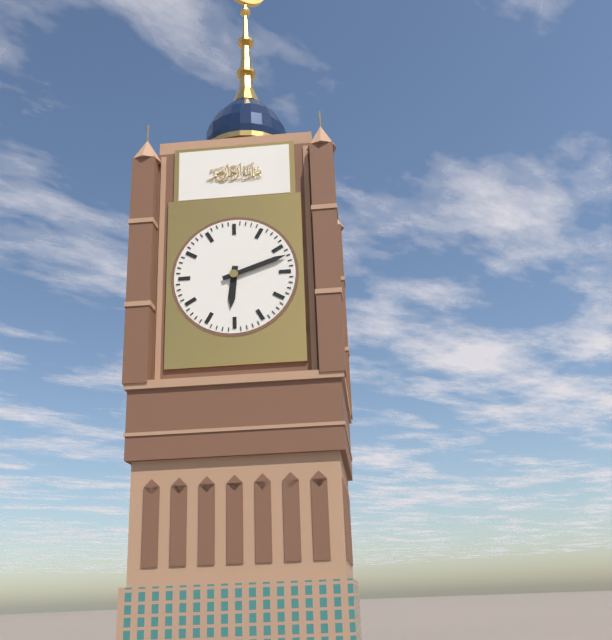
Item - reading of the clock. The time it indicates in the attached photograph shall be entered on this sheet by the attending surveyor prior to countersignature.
6:12
